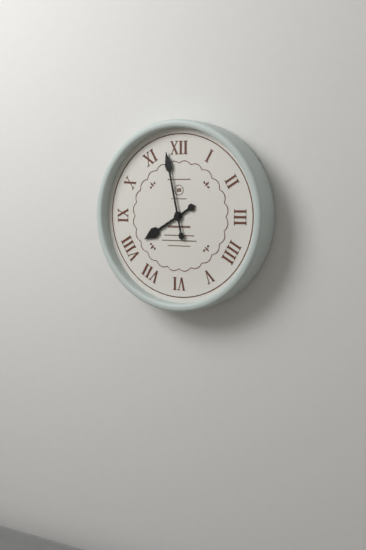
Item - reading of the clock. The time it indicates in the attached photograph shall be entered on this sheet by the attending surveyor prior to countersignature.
7:58
